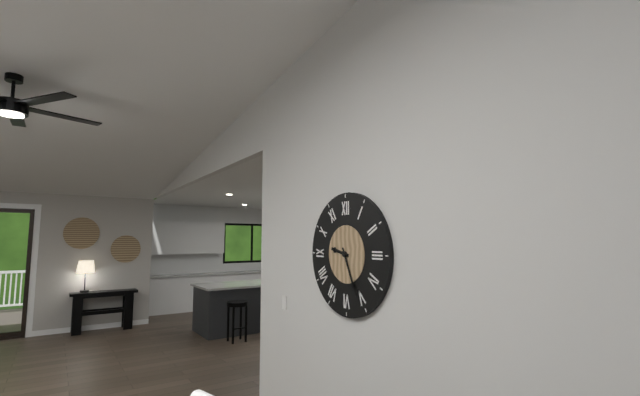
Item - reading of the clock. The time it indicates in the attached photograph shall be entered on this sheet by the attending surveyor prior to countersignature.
9:26
